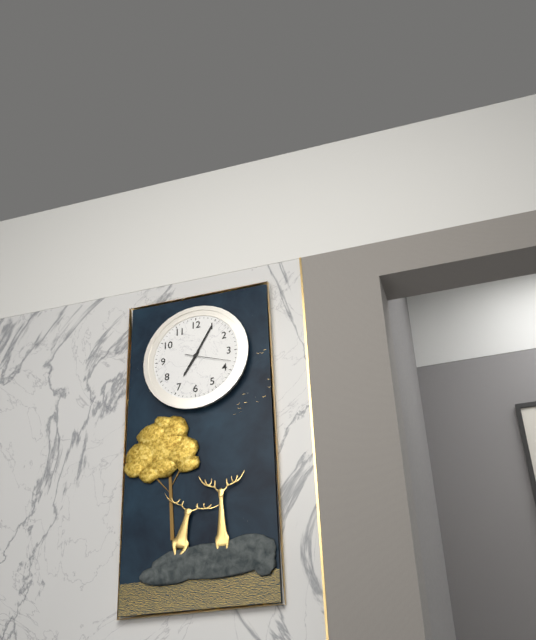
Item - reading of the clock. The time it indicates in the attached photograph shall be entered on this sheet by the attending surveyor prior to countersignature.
7:05
